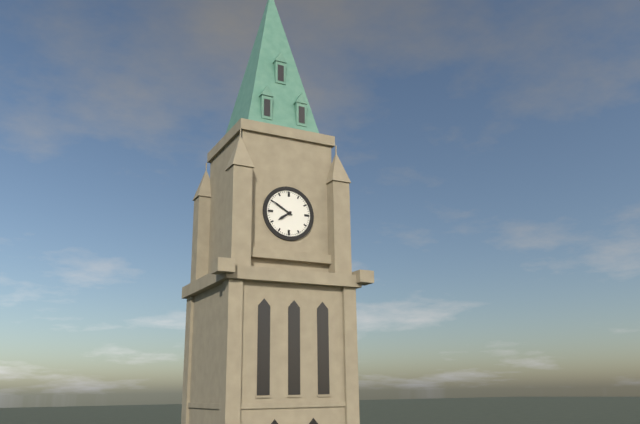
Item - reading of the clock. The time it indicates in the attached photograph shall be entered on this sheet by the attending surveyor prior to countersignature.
7:50
